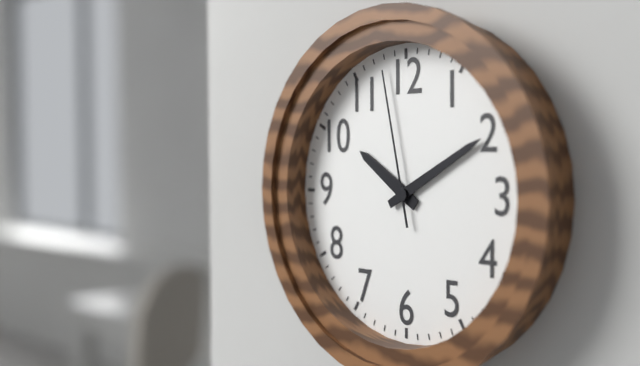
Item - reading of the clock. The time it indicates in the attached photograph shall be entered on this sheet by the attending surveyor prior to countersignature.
10:10:58
